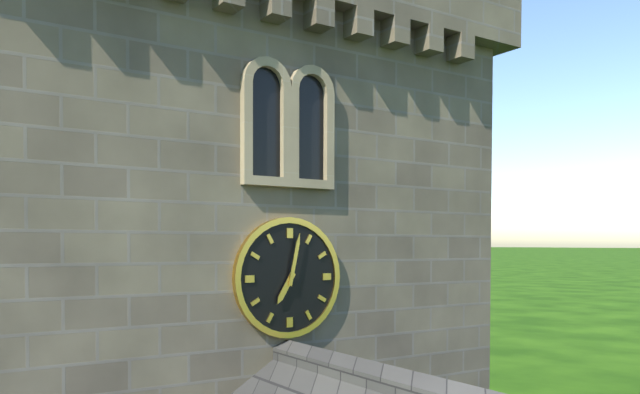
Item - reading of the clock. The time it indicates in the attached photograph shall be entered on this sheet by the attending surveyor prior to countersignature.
7:02
